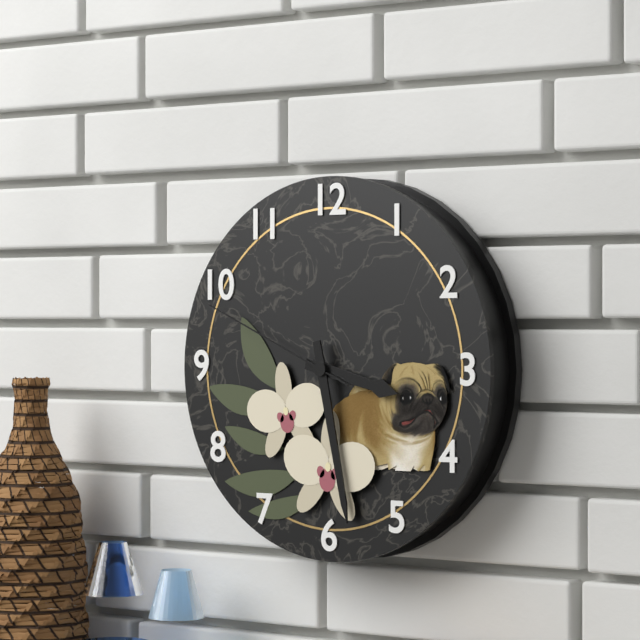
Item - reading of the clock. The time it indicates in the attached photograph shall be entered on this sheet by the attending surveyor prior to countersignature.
3:28:49
